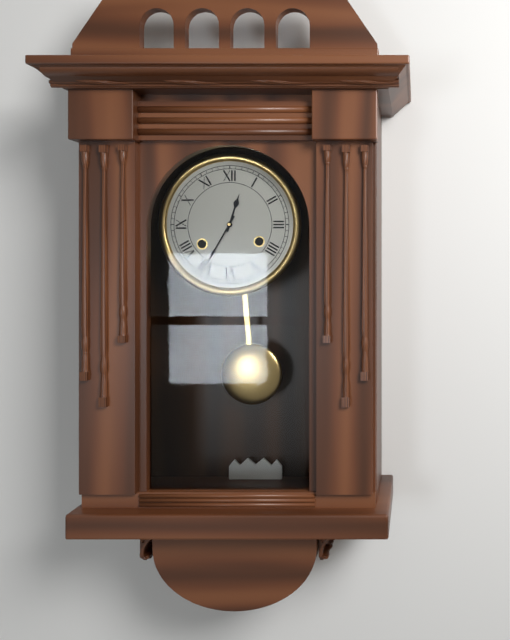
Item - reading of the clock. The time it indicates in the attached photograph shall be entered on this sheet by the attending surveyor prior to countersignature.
12:35
